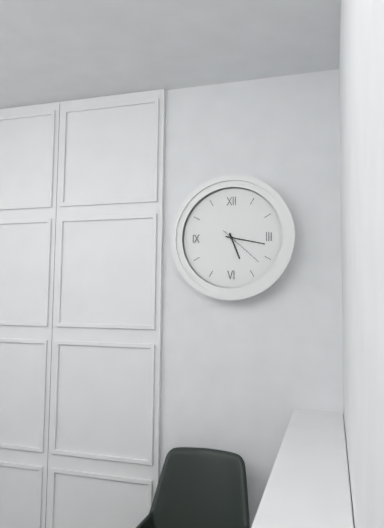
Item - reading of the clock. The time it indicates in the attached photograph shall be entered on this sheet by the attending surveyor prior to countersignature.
5:17
